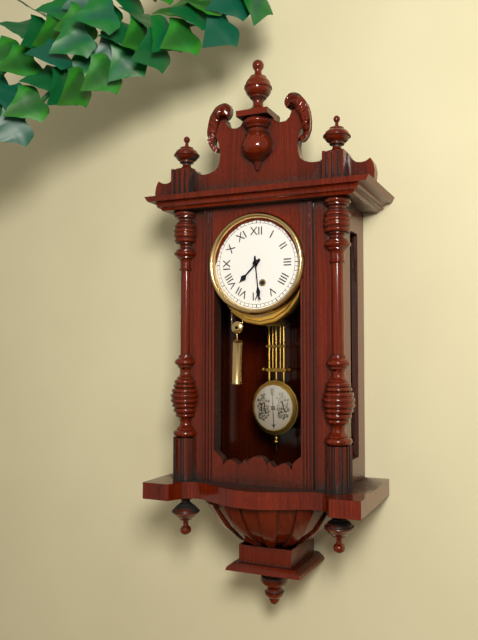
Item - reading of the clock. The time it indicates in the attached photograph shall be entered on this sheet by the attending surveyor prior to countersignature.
7:29
